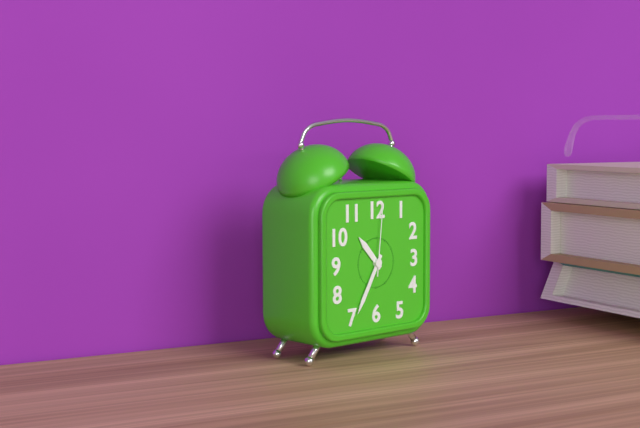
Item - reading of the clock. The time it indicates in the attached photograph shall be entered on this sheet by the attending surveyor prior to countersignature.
10:35:01
